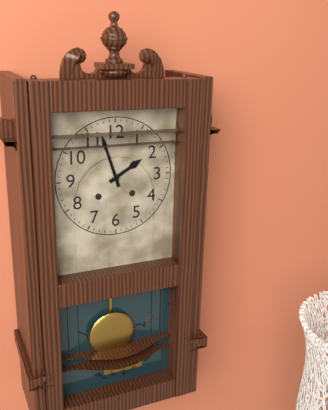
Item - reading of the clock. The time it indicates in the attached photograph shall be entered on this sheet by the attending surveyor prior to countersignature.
1:57
